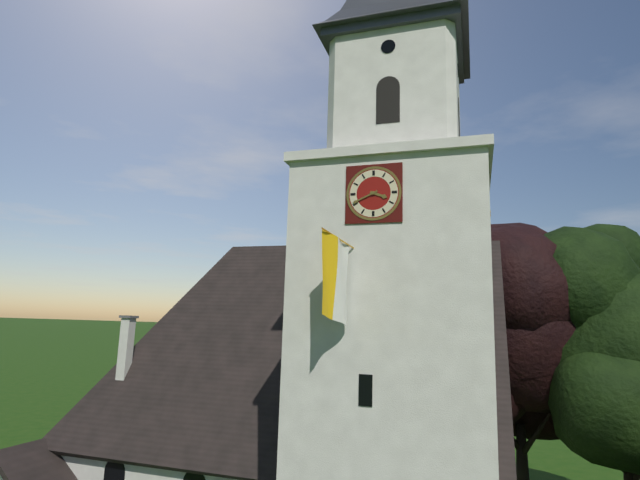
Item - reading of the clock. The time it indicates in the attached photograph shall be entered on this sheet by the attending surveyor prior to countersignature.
3:41
